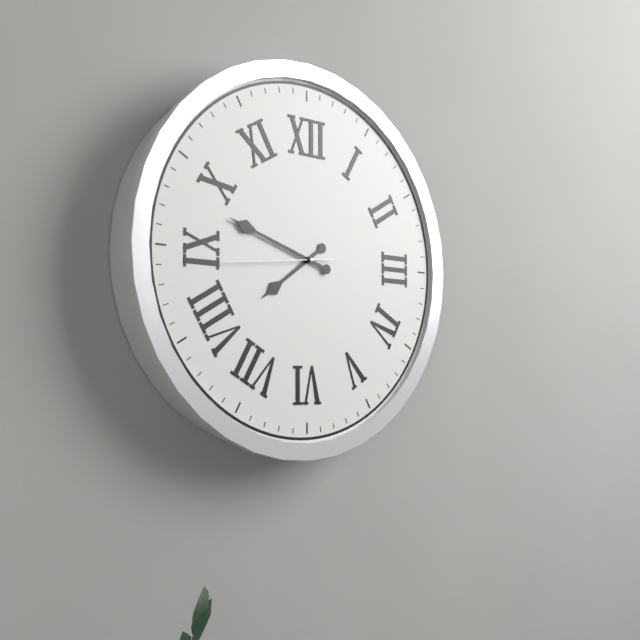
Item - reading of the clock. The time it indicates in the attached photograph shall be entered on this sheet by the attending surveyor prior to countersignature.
7:48:44
